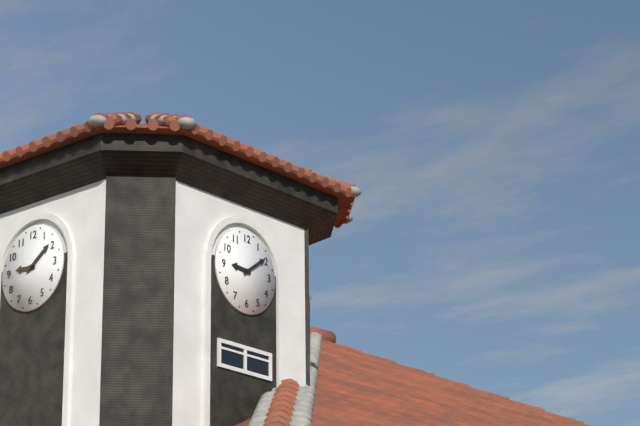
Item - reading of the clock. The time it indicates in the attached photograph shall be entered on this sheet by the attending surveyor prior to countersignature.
9:09
